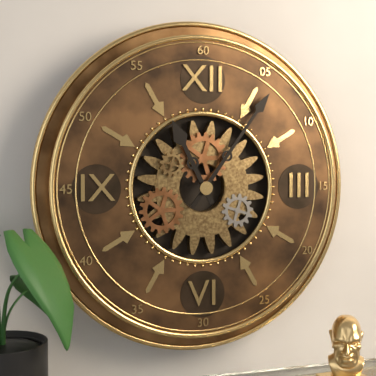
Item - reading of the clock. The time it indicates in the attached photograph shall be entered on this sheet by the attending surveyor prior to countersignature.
11:06
